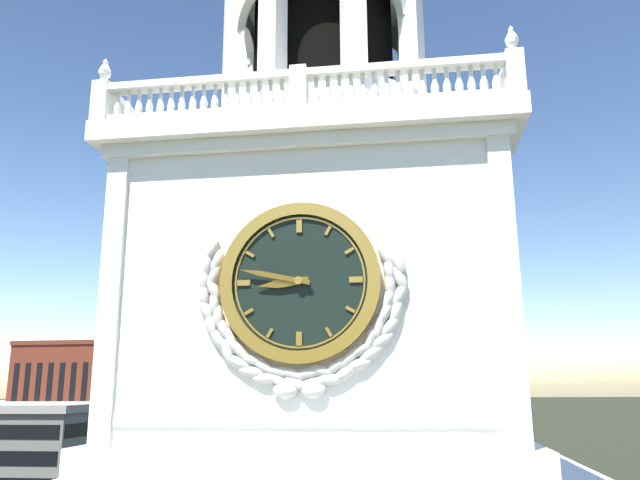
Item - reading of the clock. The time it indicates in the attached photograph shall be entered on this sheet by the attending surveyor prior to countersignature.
8:47
